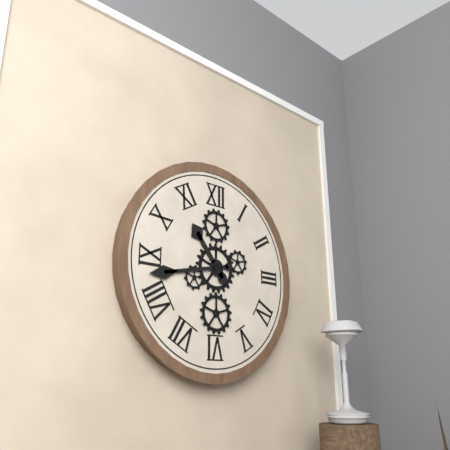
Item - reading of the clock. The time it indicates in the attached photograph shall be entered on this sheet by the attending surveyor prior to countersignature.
10:43
